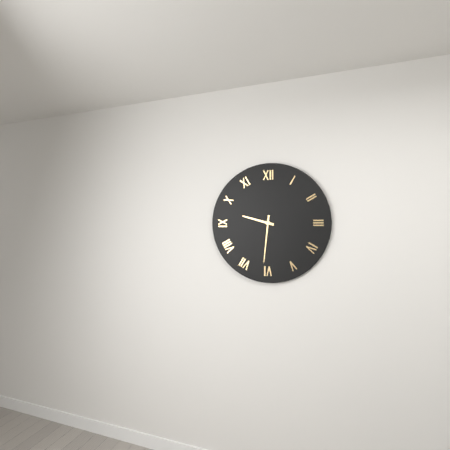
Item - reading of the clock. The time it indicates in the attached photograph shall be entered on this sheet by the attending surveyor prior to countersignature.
9:31
